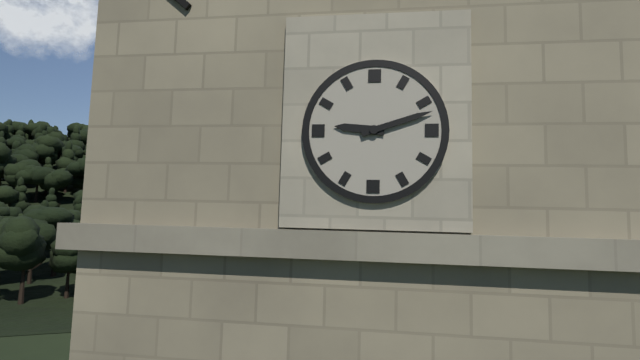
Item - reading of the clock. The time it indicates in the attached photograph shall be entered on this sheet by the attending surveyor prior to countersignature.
9:12
